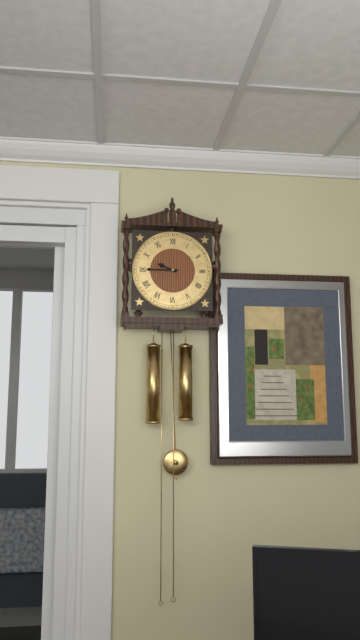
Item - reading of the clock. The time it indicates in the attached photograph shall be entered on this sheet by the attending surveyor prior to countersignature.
9:45
